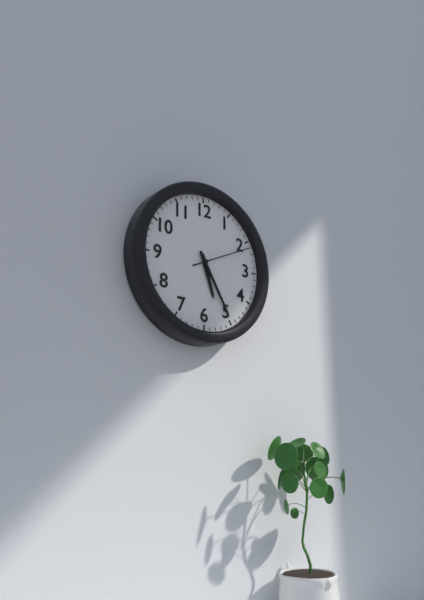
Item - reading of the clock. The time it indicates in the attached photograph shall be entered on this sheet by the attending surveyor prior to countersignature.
5:25:11
